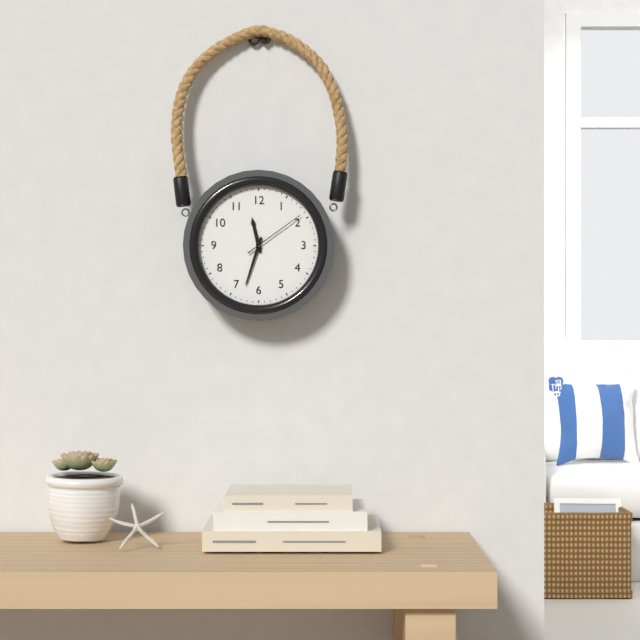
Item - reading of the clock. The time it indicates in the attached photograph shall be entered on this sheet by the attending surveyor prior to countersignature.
11:33:09
